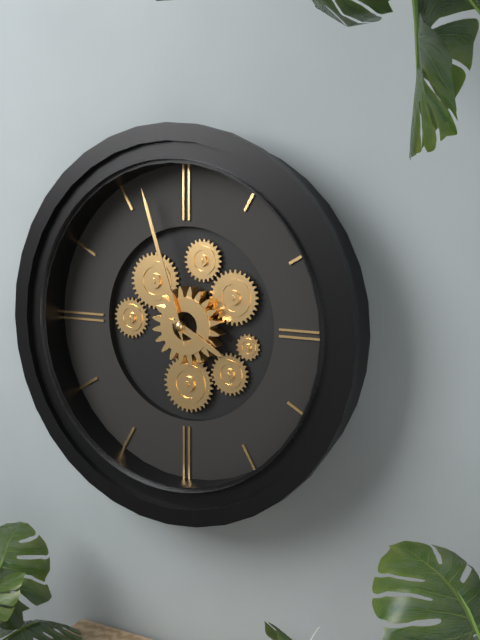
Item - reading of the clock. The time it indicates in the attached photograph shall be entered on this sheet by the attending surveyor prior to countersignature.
3:57
